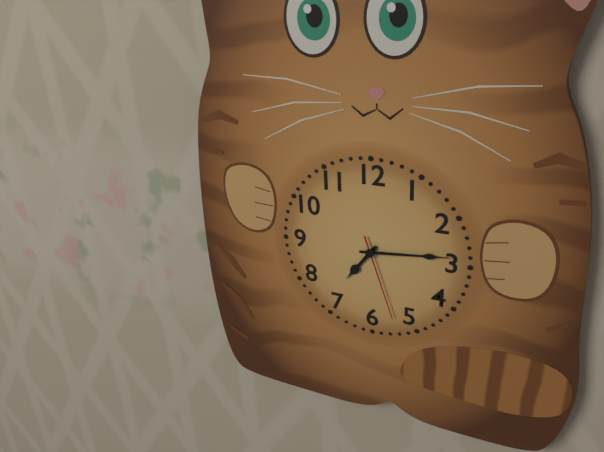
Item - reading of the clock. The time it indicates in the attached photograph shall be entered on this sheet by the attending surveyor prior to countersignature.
7:14:27
